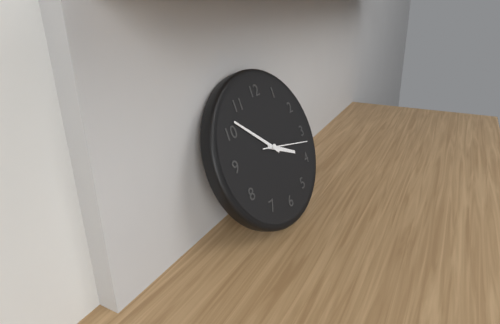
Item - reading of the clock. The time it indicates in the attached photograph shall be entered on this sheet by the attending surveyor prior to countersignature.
3:52
